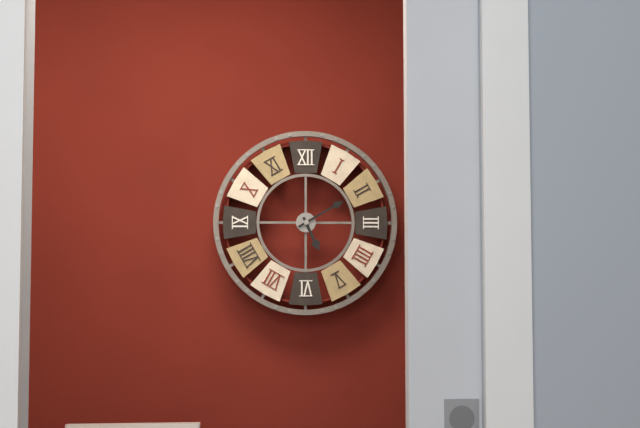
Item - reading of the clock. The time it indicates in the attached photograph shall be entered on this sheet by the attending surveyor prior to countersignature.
5:10
